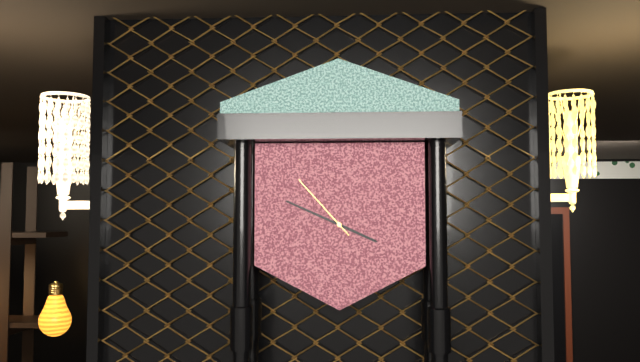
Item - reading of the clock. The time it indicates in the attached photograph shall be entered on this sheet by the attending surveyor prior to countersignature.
3:49:53
